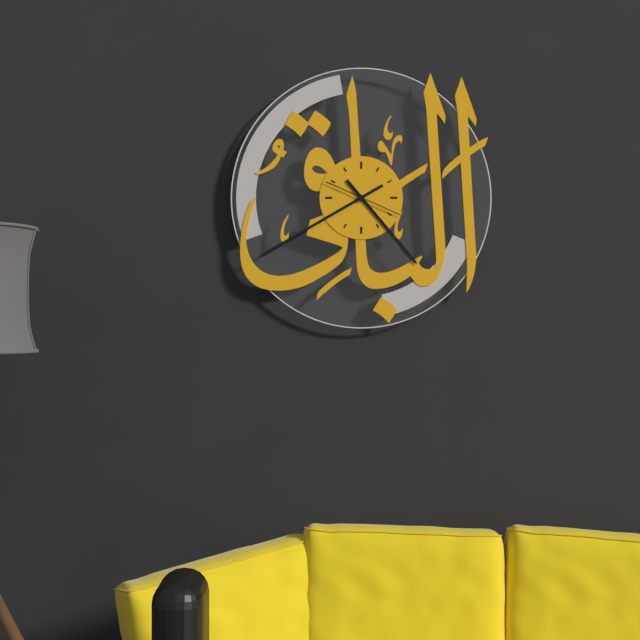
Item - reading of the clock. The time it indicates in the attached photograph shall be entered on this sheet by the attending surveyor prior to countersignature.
4:40:19
